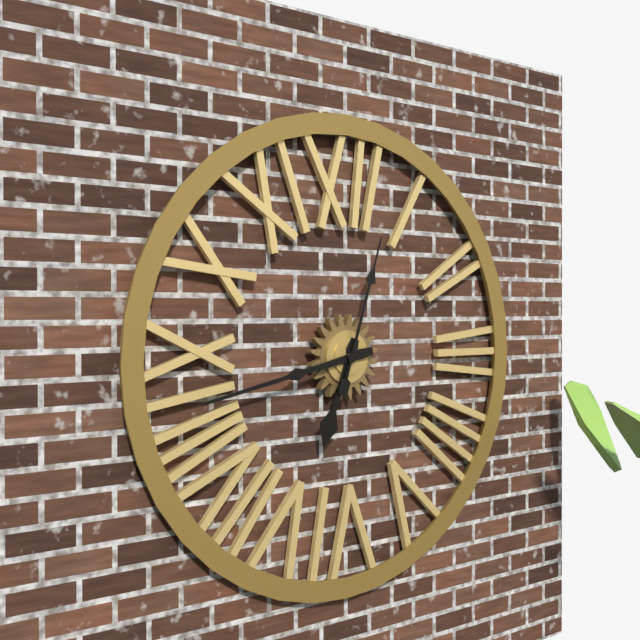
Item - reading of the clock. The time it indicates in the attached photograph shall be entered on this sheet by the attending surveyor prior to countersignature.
6:43:03
